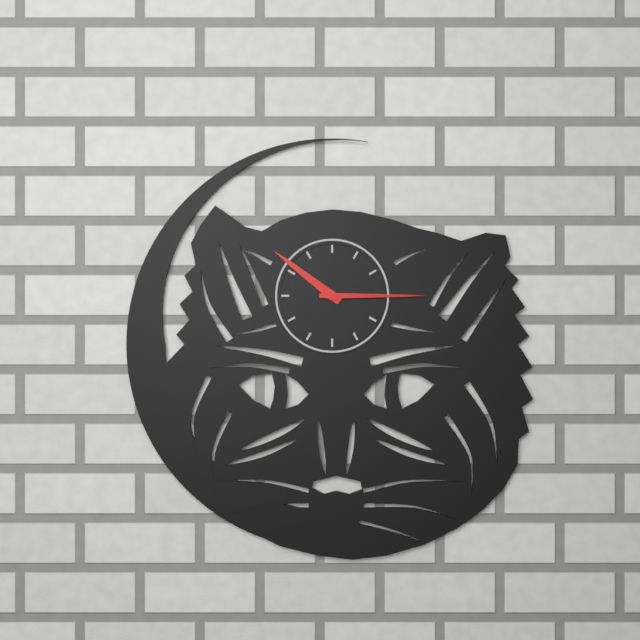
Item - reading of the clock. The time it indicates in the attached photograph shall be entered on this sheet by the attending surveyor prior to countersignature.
10:15
